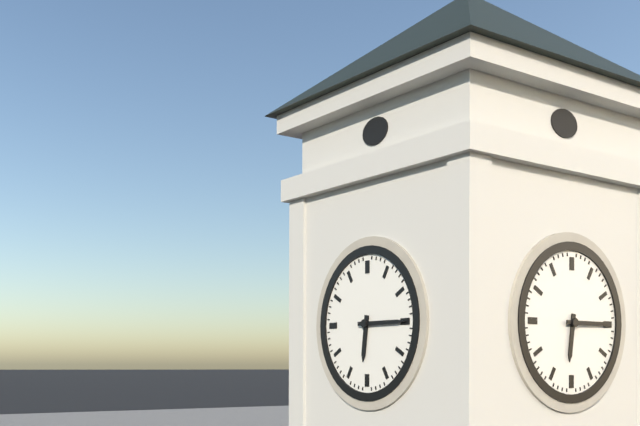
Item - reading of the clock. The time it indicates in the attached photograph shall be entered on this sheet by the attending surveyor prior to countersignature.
6:15
